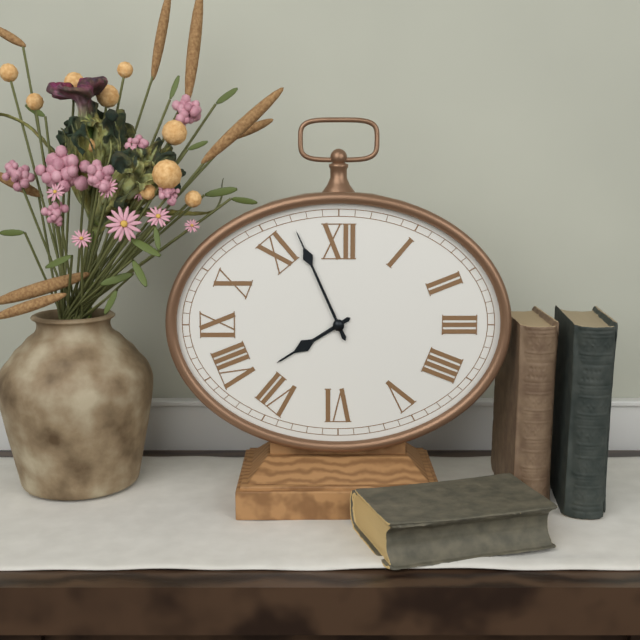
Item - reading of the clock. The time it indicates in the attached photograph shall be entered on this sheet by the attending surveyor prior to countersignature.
7:56
